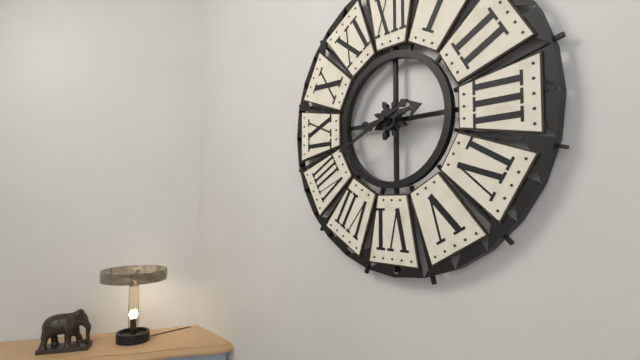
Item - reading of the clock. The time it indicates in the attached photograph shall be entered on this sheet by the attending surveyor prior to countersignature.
2:41
